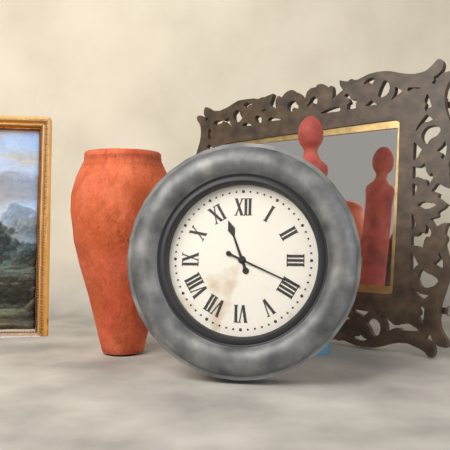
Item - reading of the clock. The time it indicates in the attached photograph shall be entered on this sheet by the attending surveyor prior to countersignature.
11:19
